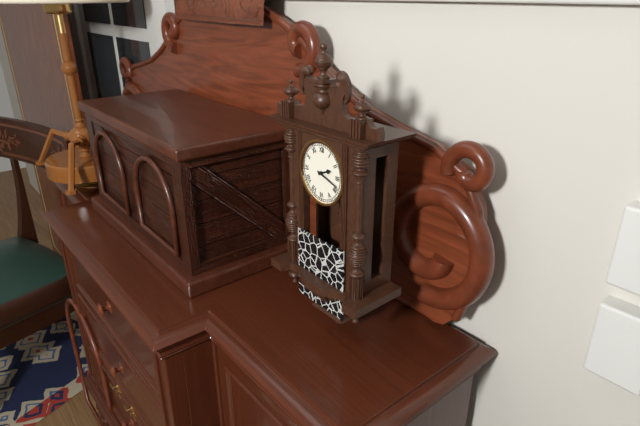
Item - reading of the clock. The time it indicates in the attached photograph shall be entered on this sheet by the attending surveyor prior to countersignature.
2:18
